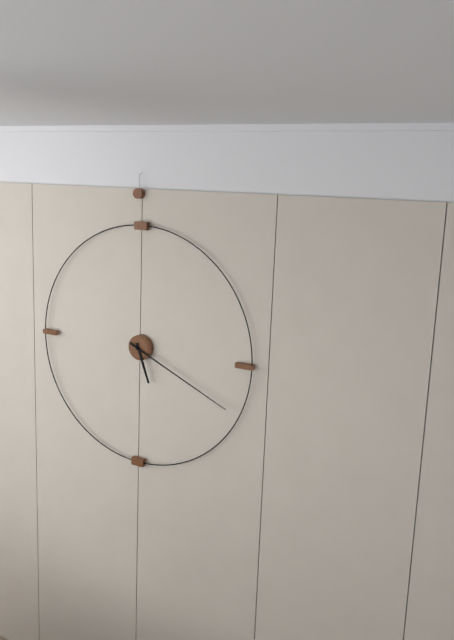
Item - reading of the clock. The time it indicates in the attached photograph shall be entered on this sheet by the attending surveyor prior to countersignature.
5:19
